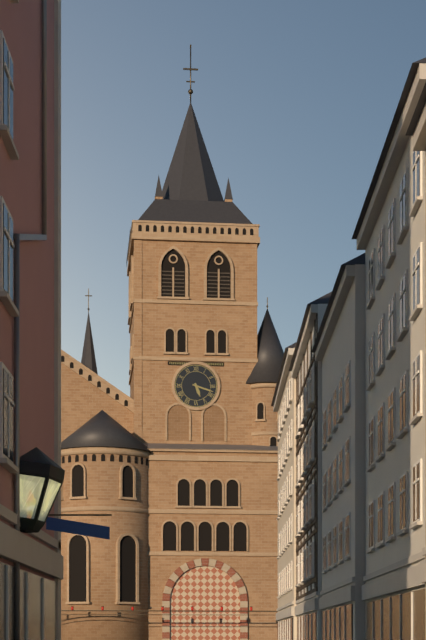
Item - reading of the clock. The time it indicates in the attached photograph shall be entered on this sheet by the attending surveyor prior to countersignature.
5:18
